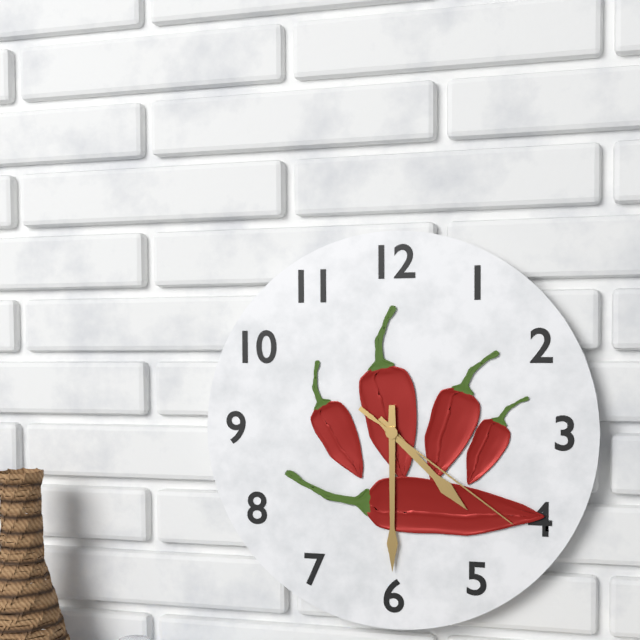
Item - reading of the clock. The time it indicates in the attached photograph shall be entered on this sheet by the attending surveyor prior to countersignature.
4:30:21
